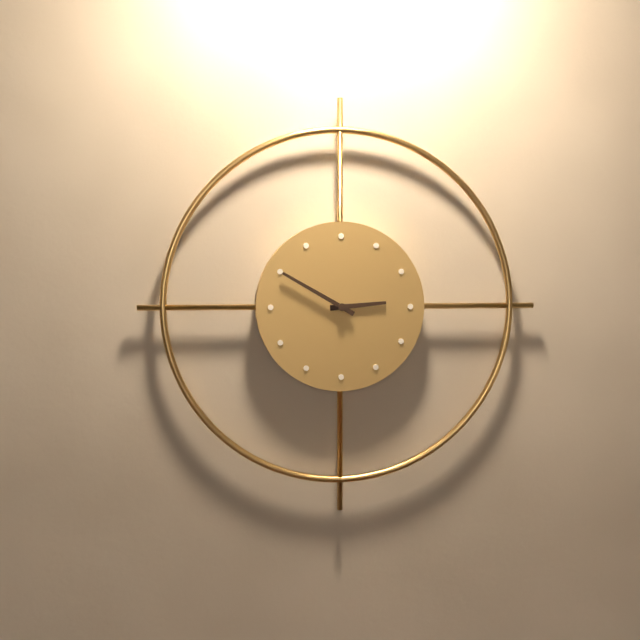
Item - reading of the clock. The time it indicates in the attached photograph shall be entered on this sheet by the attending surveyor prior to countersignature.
2:50
